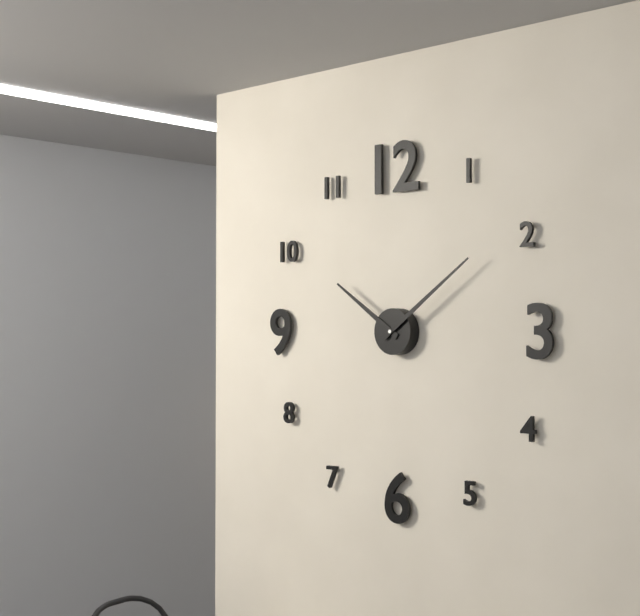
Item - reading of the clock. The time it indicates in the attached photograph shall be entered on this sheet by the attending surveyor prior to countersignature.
10:09
